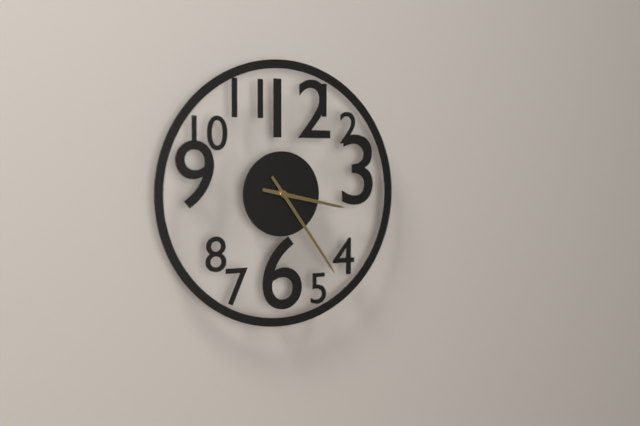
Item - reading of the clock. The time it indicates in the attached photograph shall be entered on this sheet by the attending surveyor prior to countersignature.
3:24
